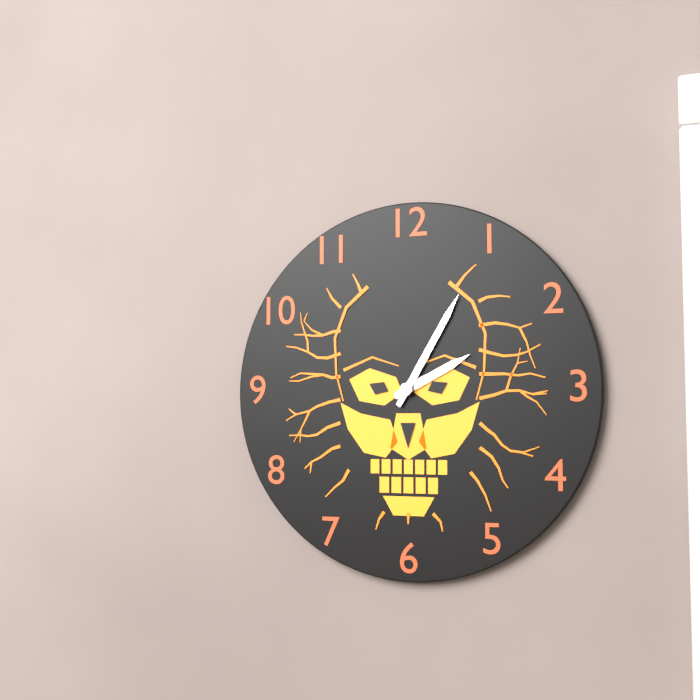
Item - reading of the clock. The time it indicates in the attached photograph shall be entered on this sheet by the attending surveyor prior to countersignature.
2:05
